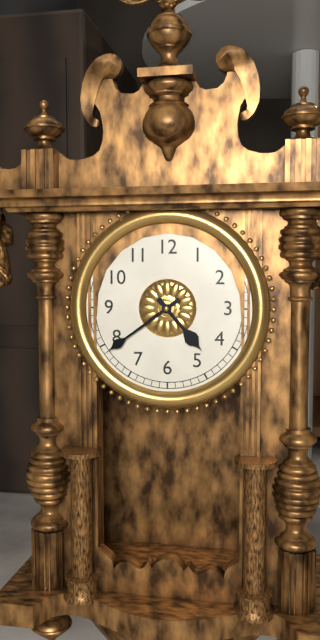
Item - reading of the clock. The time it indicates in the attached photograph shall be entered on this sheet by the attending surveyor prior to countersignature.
4:39
